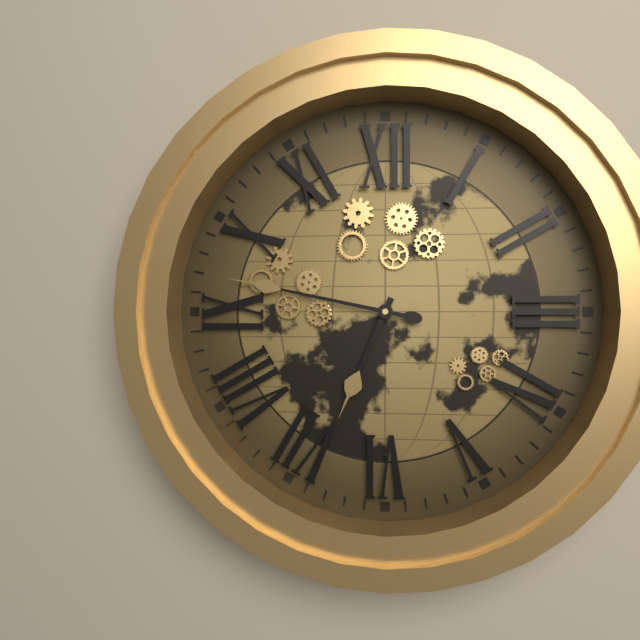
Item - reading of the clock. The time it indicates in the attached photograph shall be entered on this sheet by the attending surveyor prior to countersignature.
6:47
